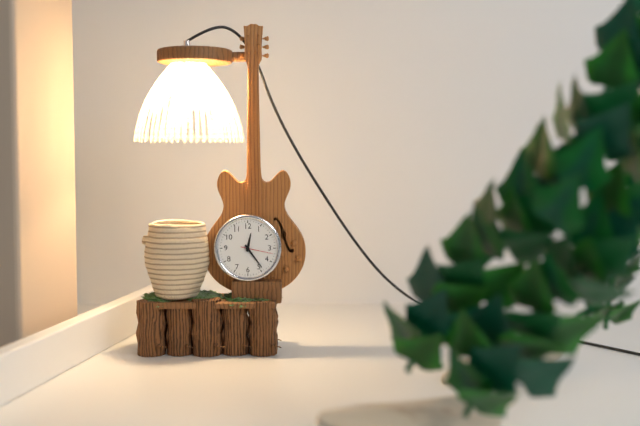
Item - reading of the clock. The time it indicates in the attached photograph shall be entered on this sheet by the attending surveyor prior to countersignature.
12:24
